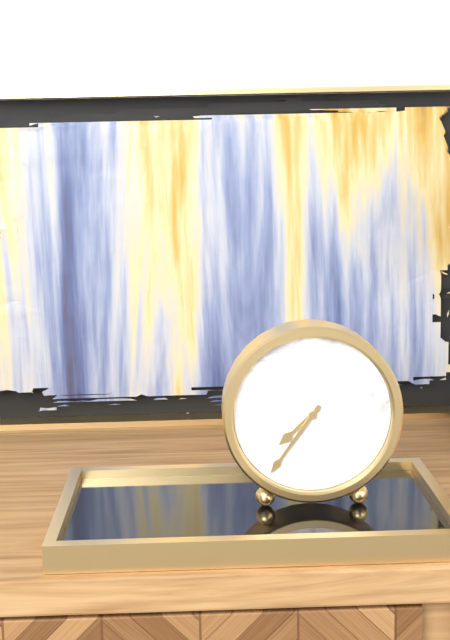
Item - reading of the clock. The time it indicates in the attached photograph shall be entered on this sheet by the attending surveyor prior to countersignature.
7:36
